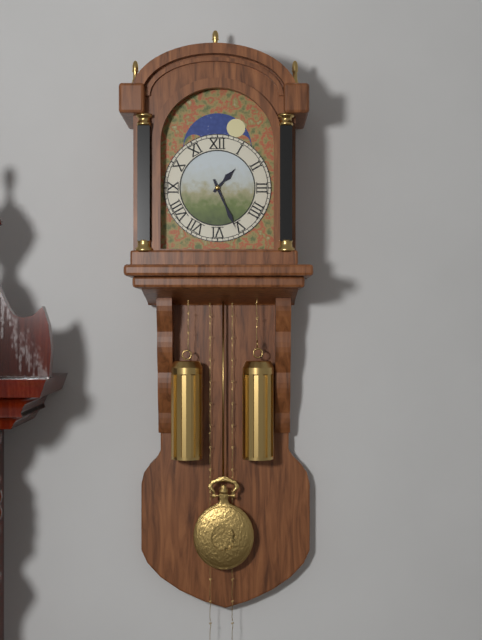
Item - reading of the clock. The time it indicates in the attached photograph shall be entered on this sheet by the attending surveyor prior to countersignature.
1:26
